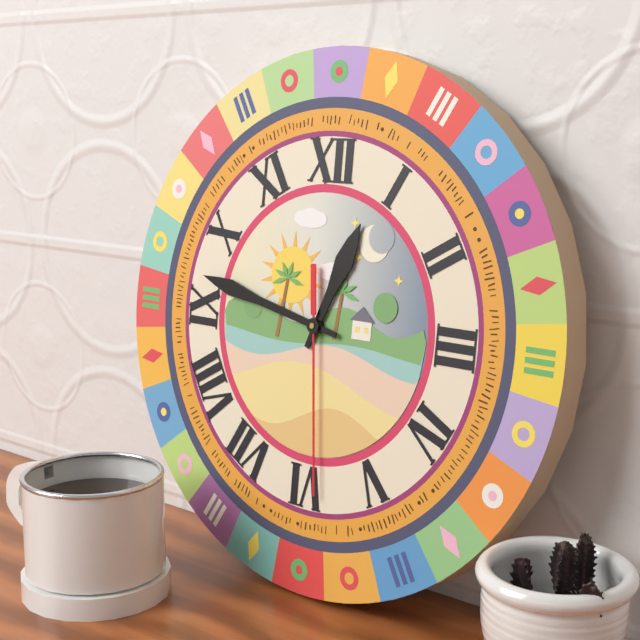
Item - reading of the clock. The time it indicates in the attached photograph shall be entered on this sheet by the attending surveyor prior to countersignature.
12:47:29
